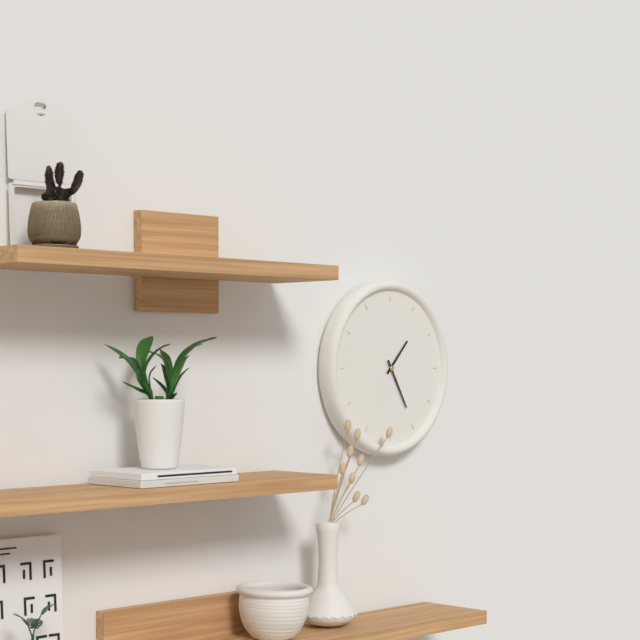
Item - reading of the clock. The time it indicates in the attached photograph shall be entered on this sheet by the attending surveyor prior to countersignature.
1:25
